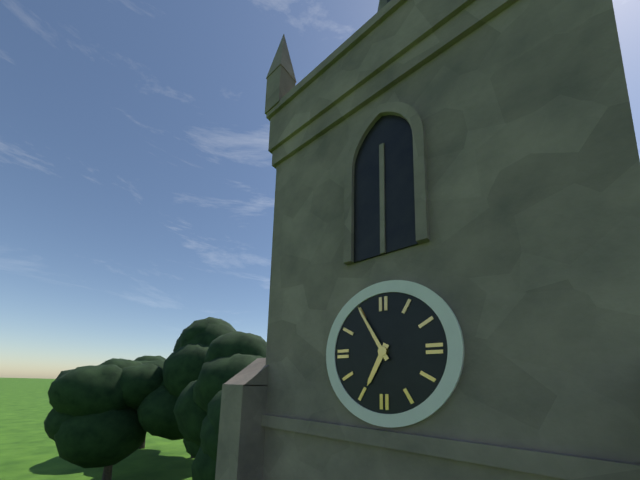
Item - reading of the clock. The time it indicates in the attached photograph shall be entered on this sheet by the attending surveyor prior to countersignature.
6:55
